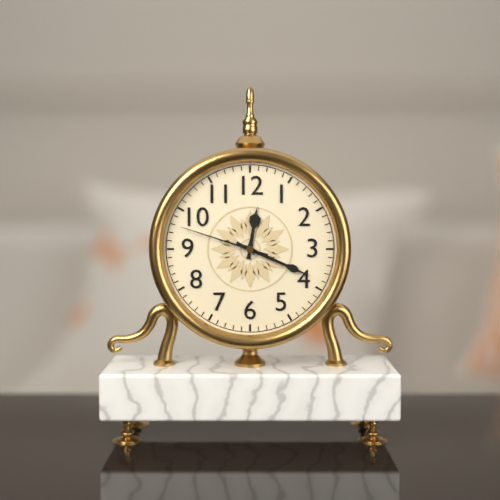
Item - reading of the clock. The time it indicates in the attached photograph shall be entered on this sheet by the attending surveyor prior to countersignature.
12:19:48
